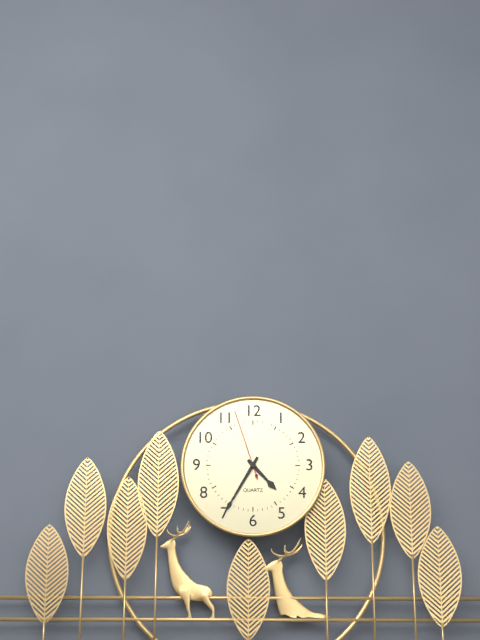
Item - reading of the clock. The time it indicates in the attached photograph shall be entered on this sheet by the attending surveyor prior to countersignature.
4:35:57
